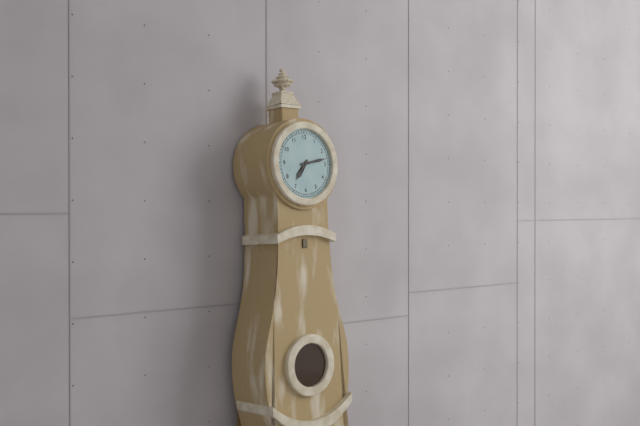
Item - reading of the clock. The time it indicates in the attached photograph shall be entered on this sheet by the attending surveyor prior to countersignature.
7:13
